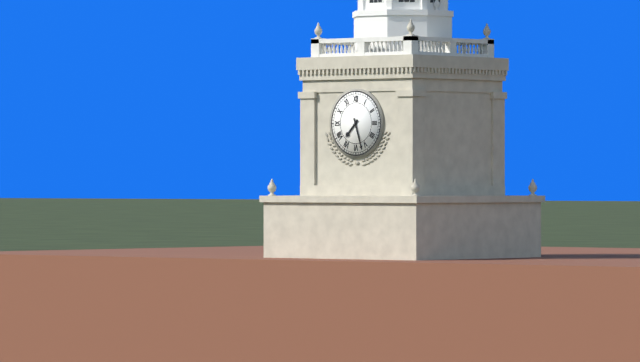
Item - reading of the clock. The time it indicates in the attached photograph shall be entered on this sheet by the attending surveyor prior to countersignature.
7:27
